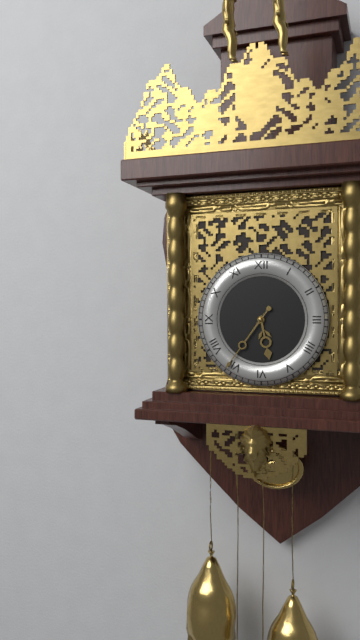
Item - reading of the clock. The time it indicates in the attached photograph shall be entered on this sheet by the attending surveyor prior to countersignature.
5:36
